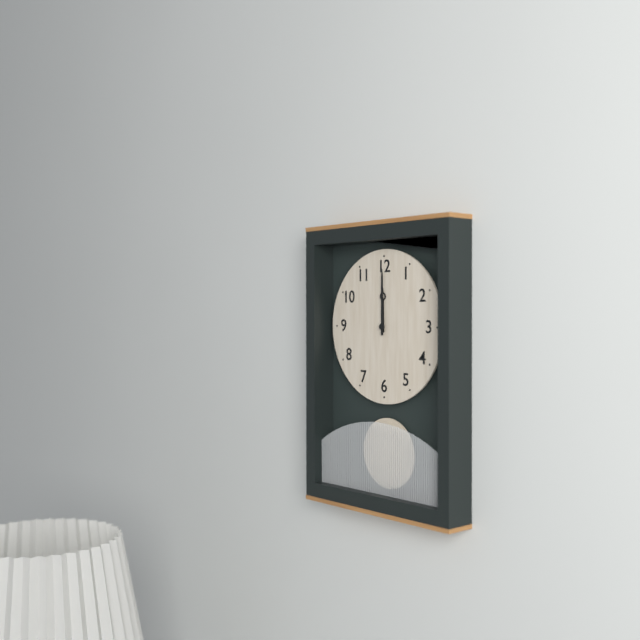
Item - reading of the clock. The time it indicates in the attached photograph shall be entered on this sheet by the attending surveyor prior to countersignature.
12:00
